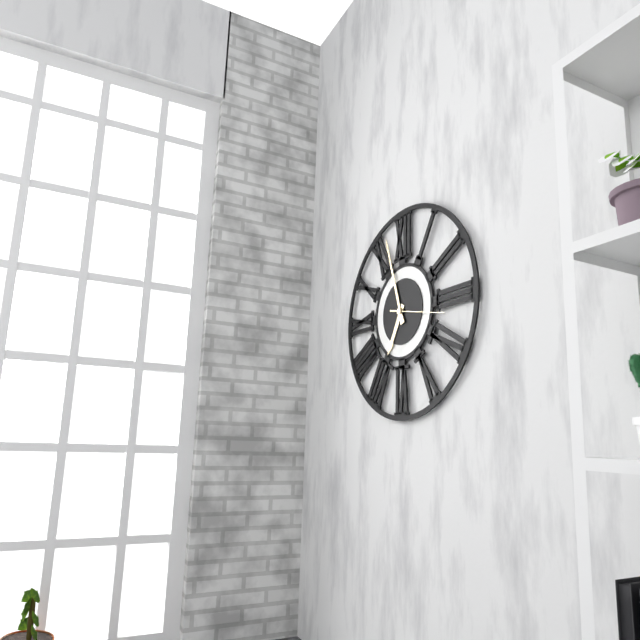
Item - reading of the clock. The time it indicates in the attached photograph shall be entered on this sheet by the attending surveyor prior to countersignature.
6:57:17
